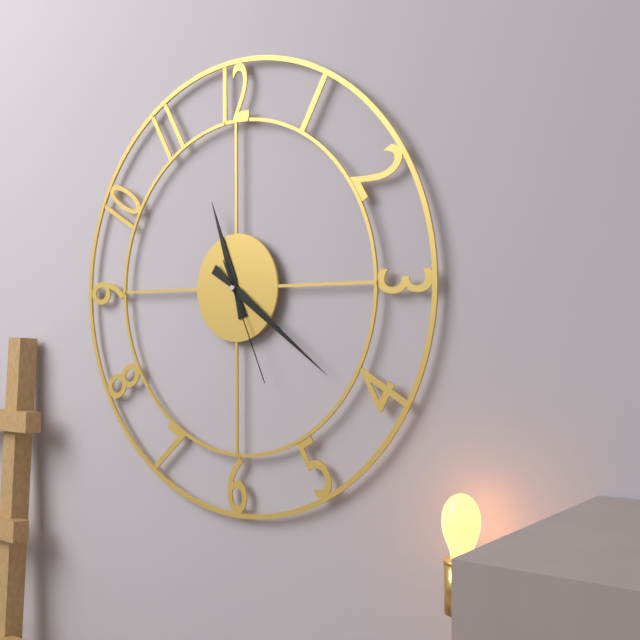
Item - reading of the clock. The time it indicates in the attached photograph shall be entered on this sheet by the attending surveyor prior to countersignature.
11:21:26
